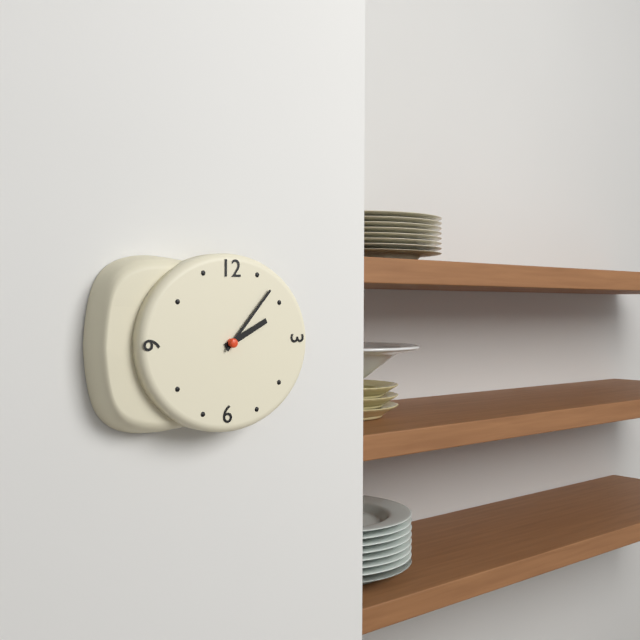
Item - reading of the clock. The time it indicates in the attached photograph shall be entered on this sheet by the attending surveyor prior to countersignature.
2:07
